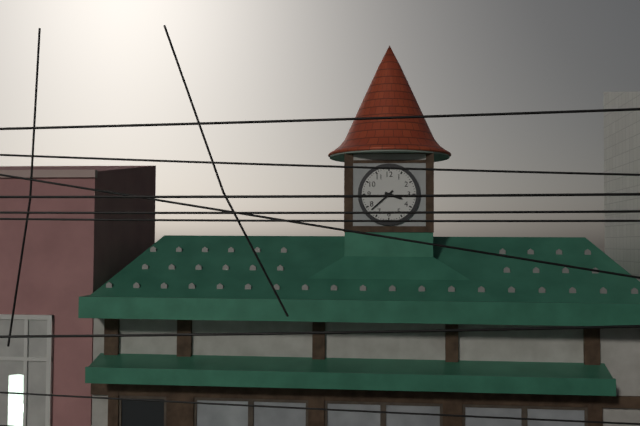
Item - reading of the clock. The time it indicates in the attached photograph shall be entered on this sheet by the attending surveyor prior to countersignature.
3:38
